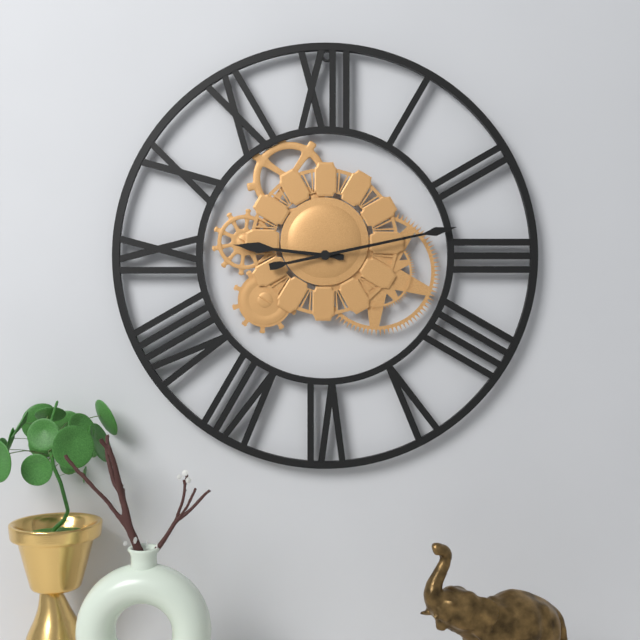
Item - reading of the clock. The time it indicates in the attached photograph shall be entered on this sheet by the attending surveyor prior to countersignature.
9:13
